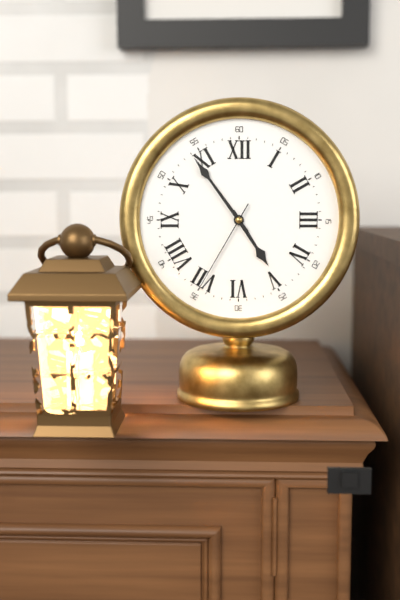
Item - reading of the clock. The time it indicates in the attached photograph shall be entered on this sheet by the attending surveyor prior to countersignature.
4:54:35
